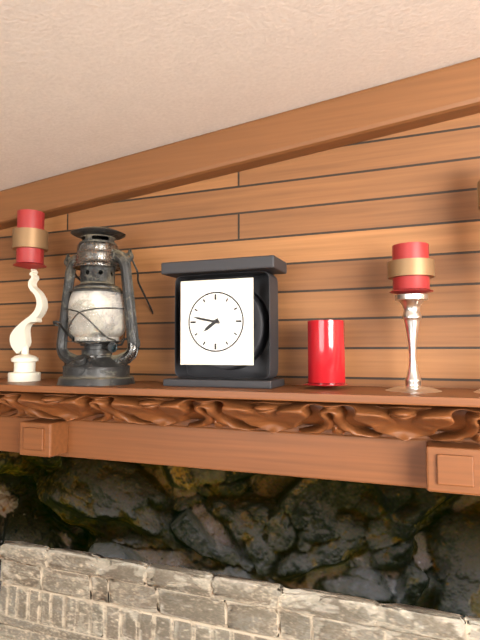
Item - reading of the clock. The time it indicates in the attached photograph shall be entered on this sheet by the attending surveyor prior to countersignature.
7:47
